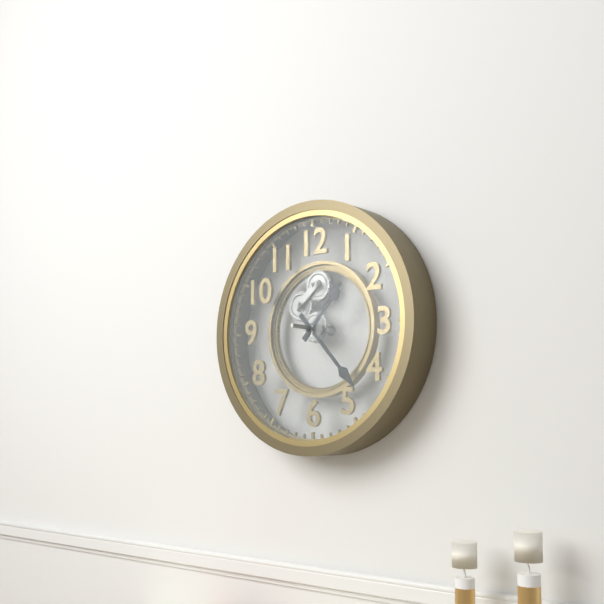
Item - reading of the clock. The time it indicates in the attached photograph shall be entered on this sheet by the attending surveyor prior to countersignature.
1:23
